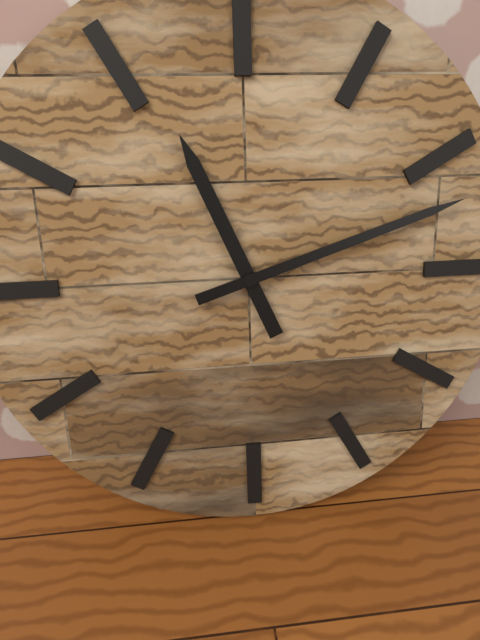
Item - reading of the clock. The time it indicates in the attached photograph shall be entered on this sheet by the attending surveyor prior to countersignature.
11:12
